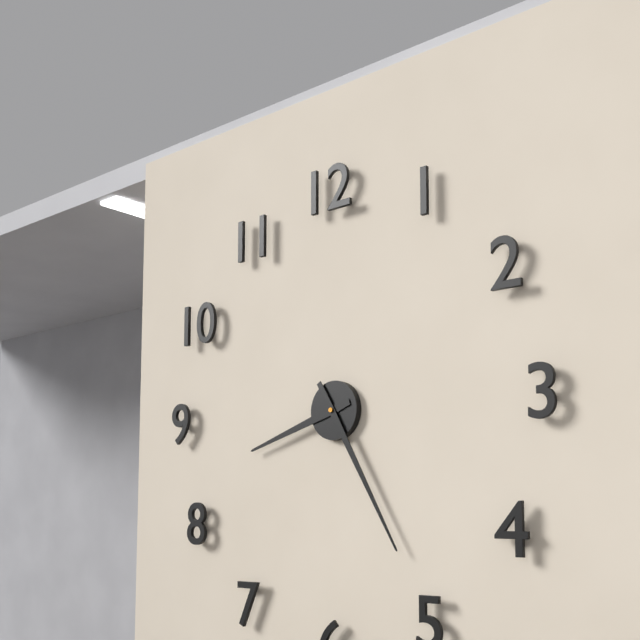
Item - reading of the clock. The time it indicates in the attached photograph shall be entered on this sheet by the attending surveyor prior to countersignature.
8:25
